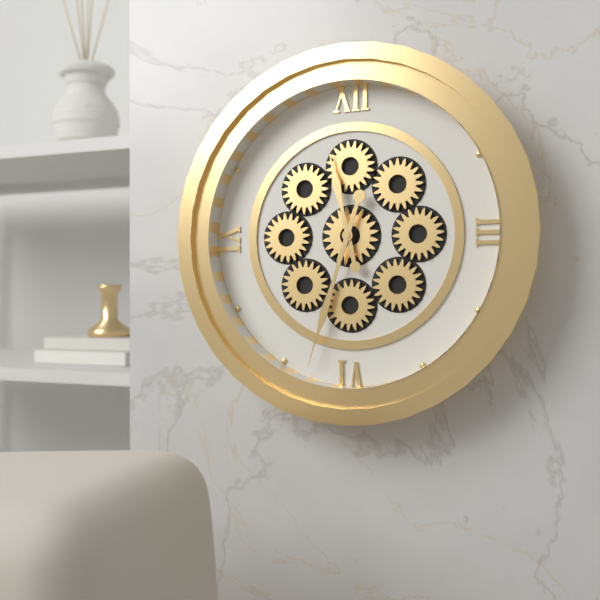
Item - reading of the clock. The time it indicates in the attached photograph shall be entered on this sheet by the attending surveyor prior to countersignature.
11:33
